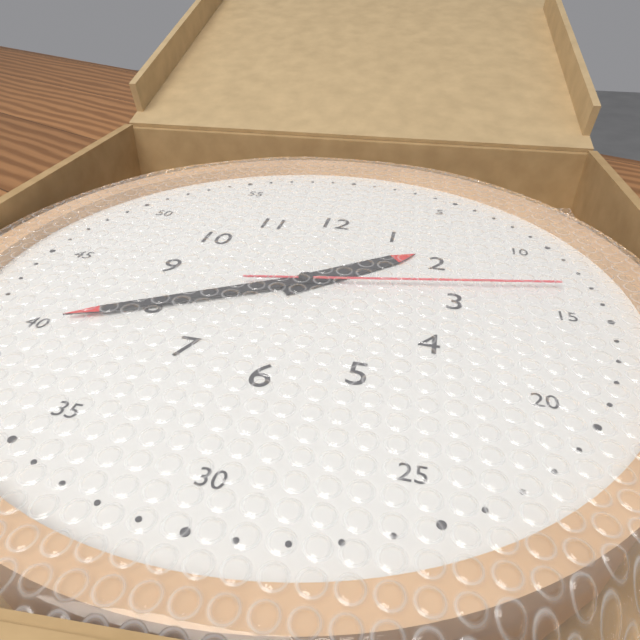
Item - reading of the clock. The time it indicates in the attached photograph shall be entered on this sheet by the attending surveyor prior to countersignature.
1:40:13
